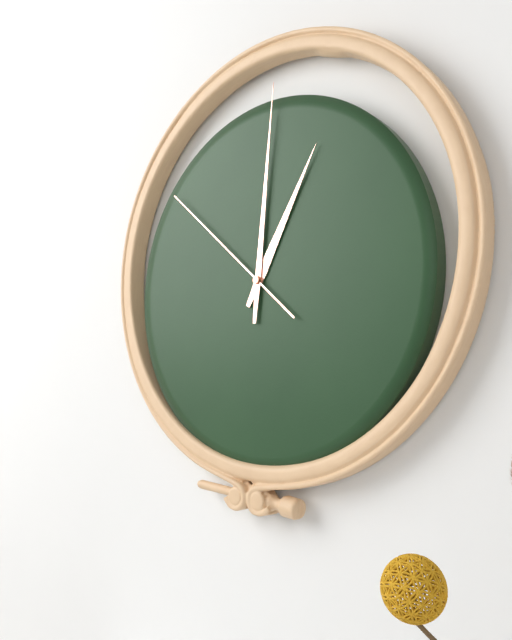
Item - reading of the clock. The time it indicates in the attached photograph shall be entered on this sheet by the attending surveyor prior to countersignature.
1:01:52
